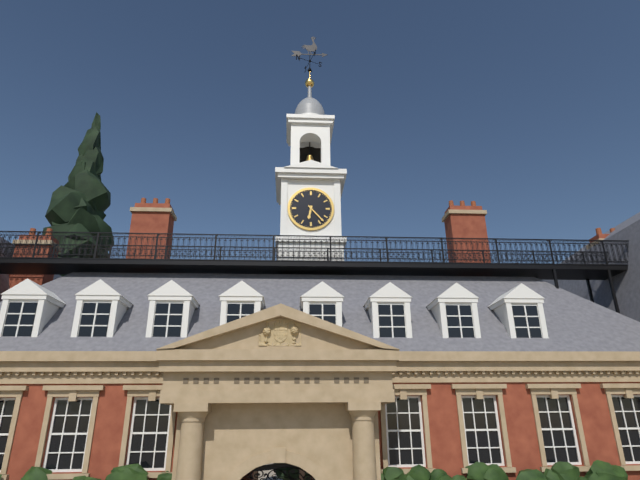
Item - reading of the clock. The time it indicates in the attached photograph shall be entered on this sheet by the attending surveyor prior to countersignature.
6:23
